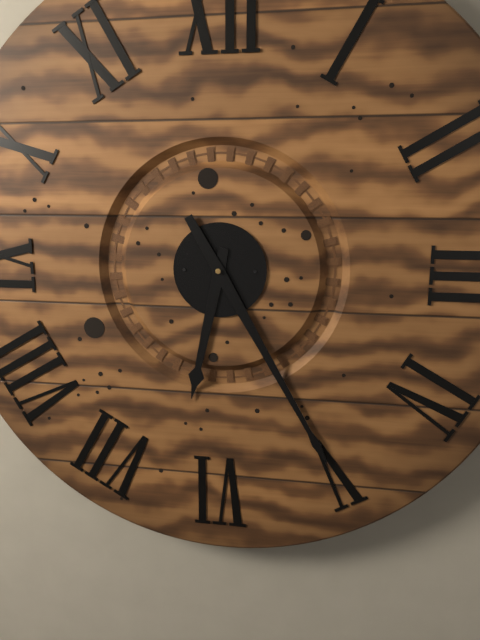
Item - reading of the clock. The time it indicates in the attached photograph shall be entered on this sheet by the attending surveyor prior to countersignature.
6:25
